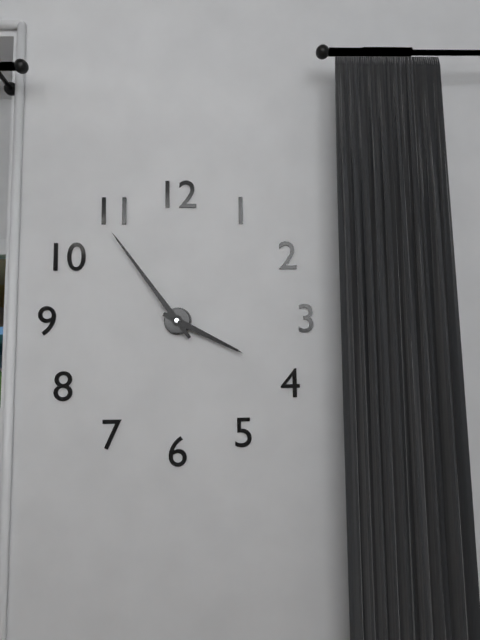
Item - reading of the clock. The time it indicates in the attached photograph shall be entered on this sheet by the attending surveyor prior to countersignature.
3:54
